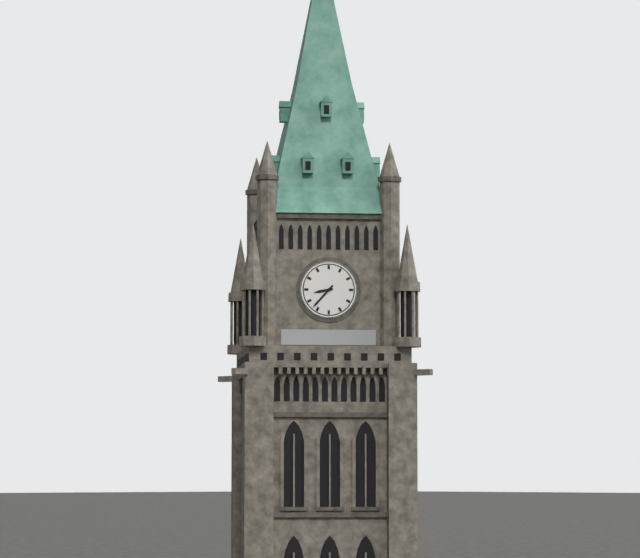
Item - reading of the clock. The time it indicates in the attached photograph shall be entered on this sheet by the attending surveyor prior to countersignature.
8:37
